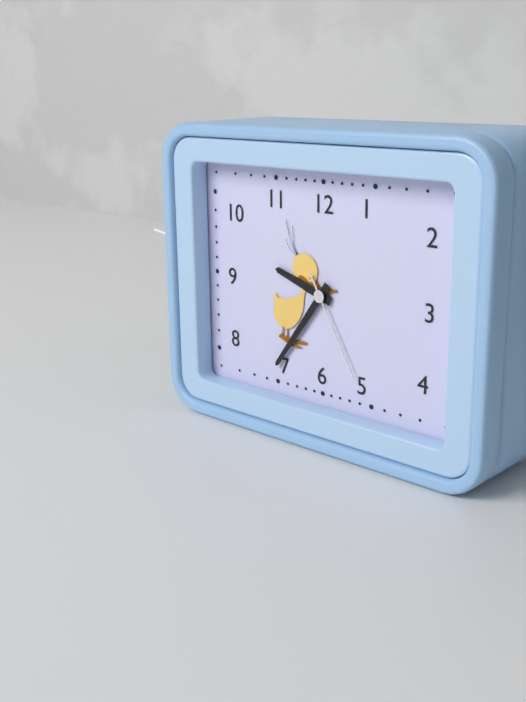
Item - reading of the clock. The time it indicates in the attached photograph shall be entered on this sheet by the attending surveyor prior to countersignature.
9:36:25
